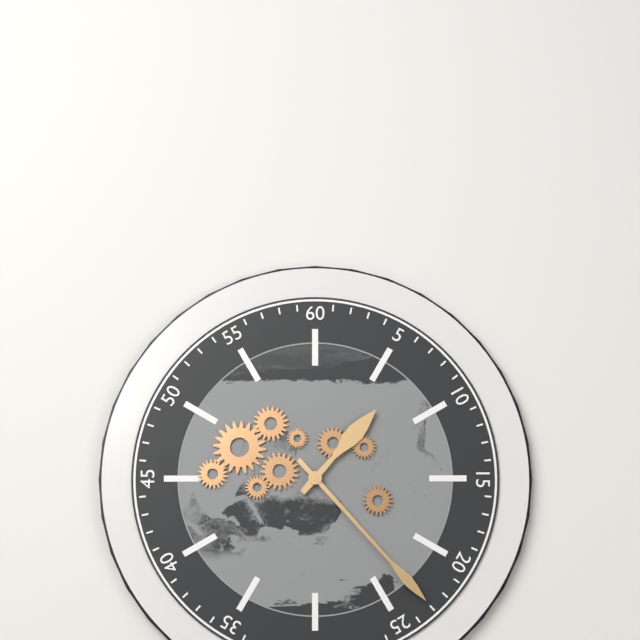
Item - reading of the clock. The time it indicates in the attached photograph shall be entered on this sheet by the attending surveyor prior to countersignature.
1:23
